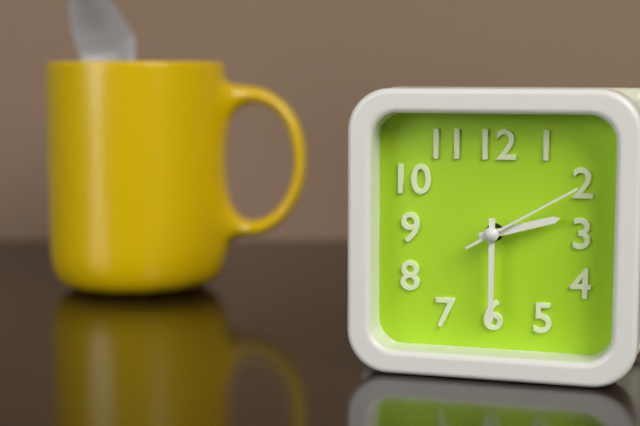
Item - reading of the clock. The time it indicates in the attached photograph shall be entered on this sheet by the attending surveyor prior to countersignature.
2:30:10
